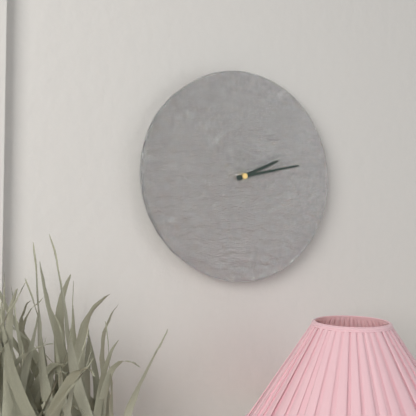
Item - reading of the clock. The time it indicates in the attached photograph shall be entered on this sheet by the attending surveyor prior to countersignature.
2:13
